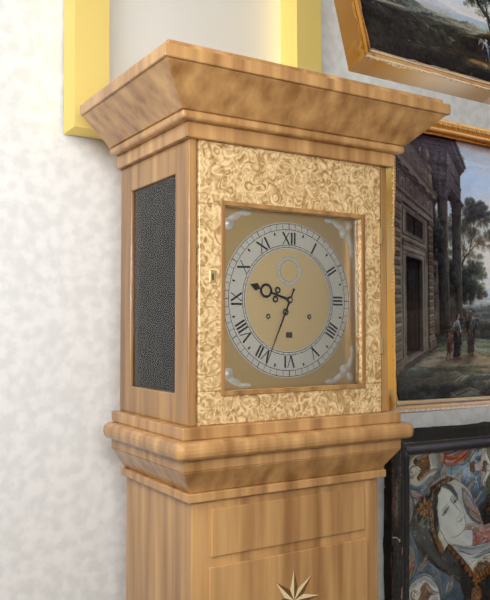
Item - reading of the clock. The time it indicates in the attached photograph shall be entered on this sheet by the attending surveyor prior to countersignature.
9:34
